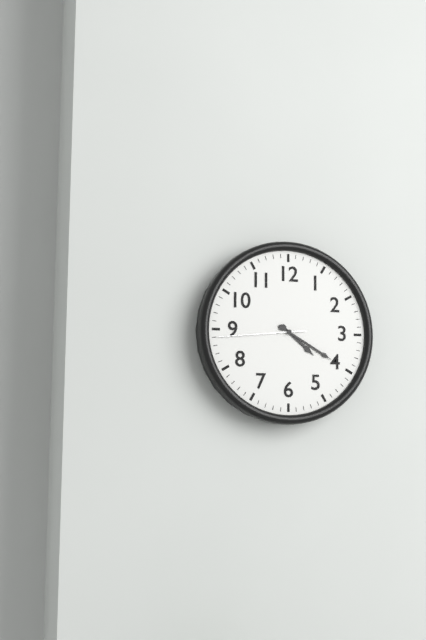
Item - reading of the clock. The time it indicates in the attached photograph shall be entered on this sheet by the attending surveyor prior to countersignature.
4:20:44
